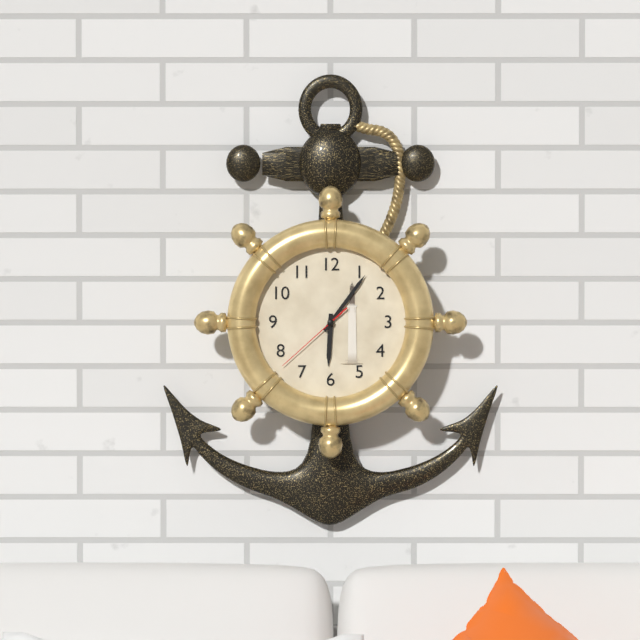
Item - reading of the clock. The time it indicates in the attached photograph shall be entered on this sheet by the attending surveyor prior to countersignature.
6:06:38
